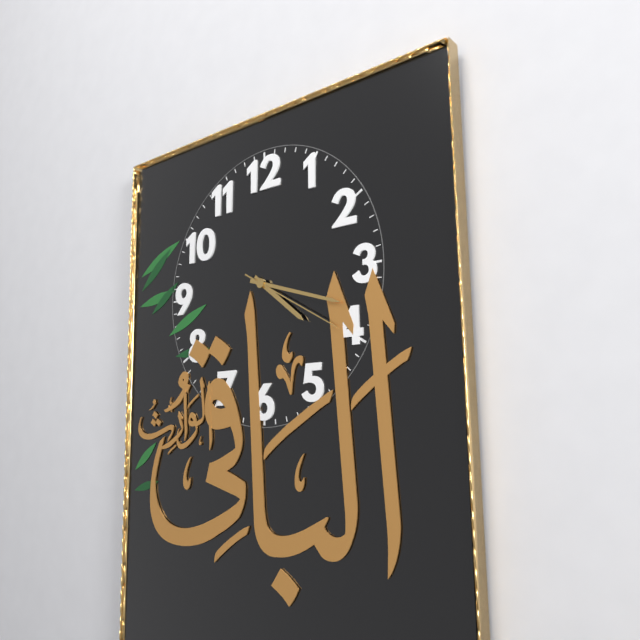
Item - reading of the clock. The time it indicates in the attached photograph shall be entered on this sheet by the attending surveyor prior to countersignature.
4:18:20
